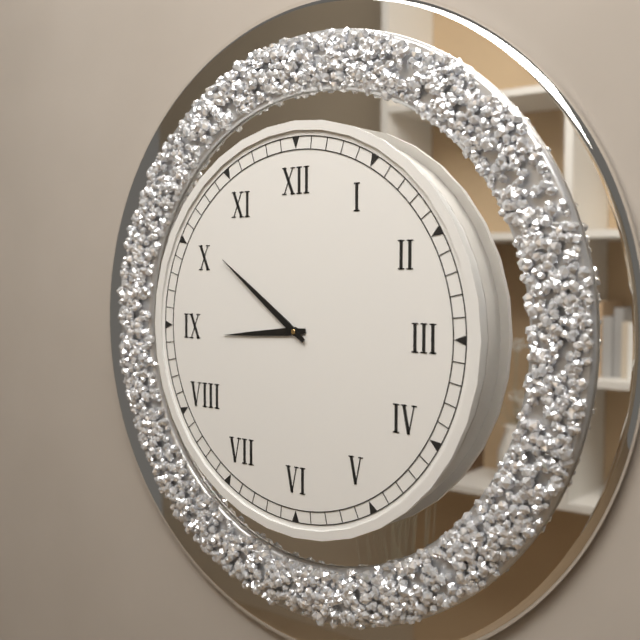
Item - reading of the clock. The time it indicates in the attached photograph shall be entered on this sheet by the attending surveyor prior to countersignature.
8:51
